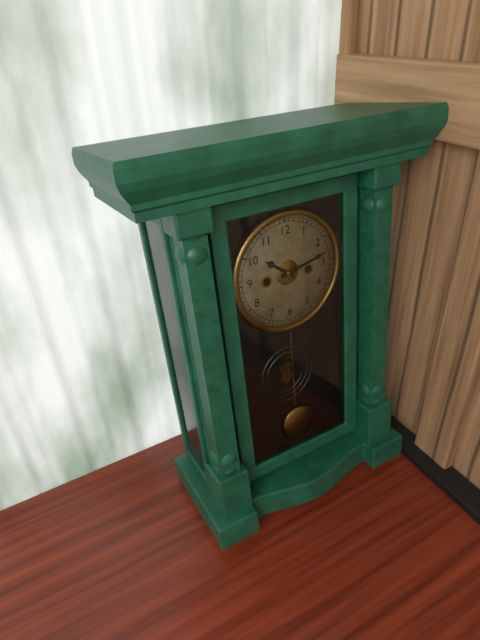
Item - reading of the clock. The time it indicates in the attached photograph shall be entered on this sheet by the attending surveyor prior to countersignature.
10:13
